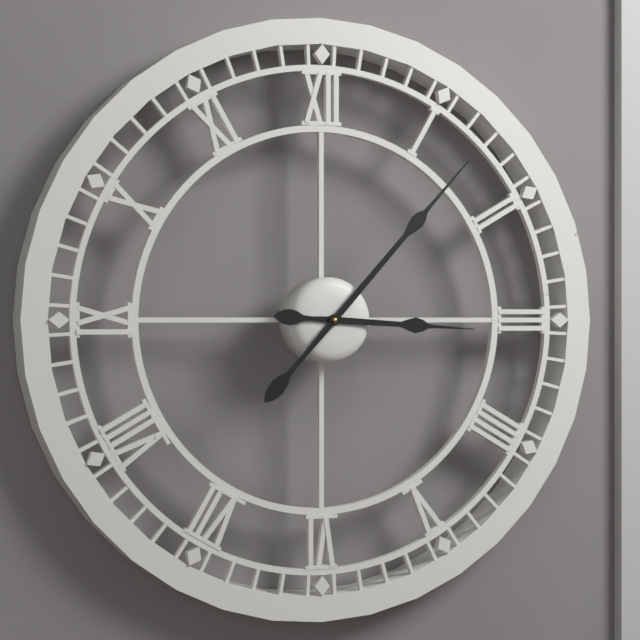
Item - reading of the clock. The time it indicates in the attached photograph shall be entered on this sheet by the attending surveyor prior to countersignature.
3:07
